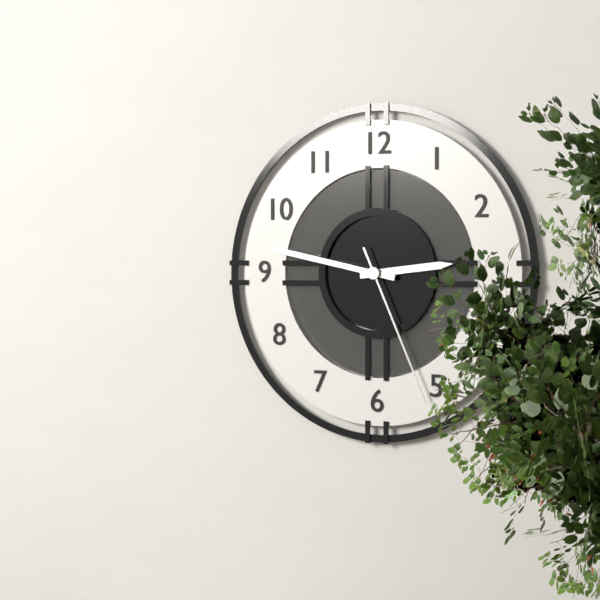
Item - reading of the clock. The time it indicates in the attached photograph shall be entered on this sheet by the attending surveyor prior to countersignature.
2:47:26
